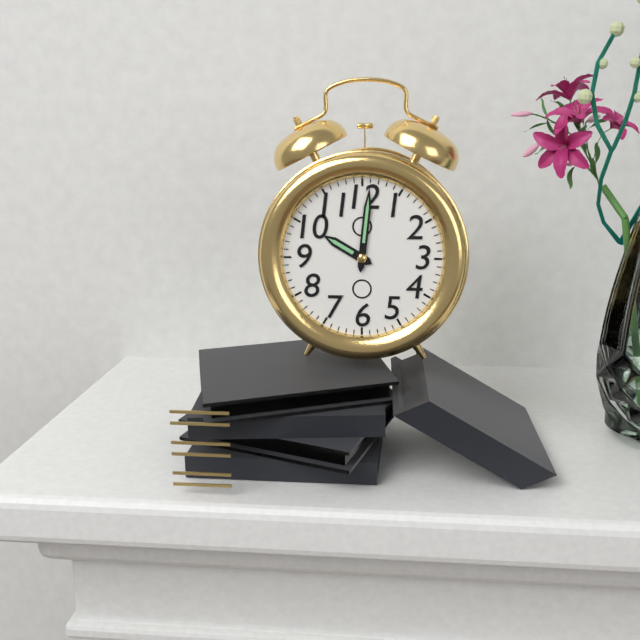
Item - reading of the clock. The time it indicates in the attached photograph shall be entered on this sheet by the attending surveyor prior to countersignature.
10:01
